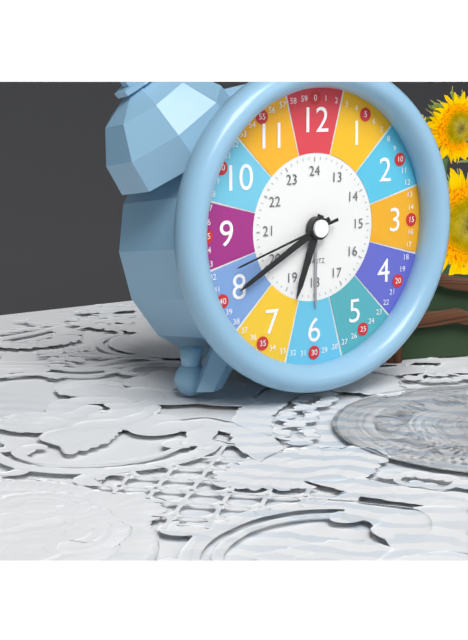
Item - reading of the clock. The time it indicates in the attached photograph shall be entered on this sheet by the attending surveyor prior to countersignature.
6:40:42
